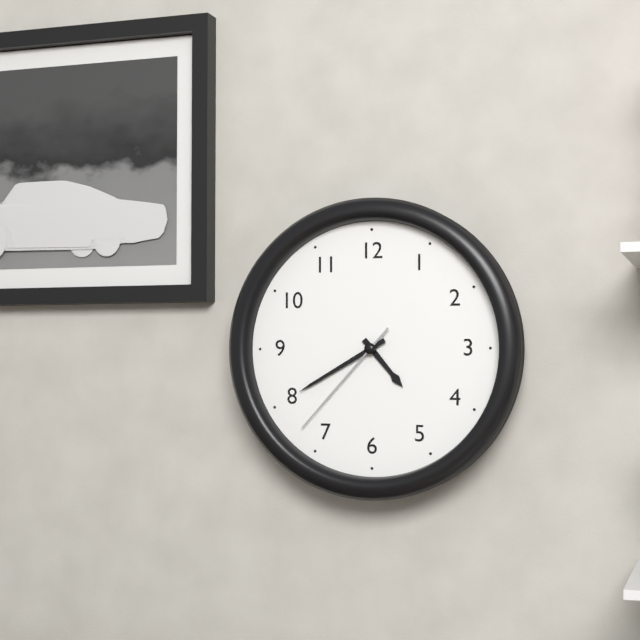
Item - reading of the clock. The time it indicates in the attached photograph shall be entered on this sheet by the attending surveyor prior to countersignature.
4:40:37
